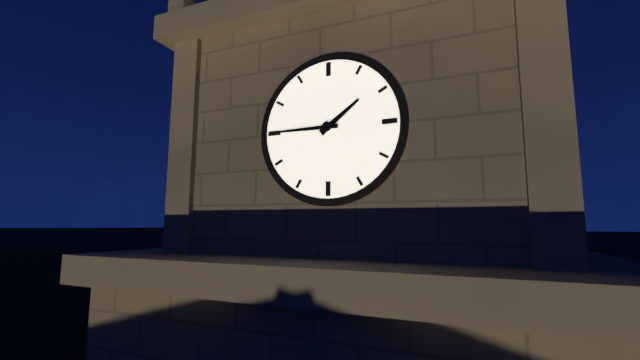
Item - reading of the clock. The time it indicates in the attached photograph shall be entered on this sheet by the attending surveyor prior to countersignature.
1:45
